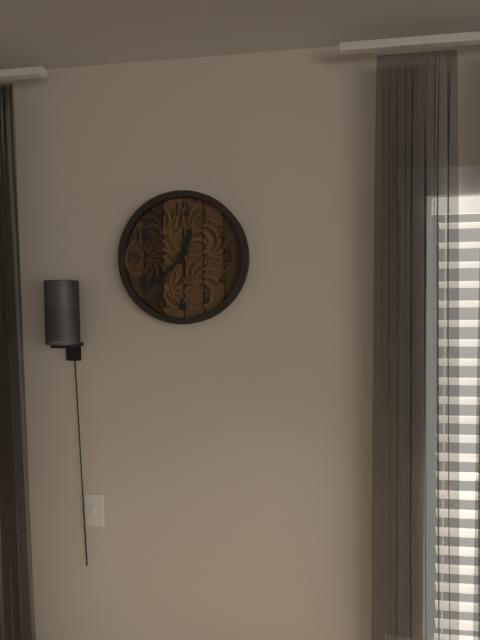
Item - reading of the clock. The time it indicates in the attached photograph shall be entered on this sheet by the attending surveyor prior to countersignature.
12:38
